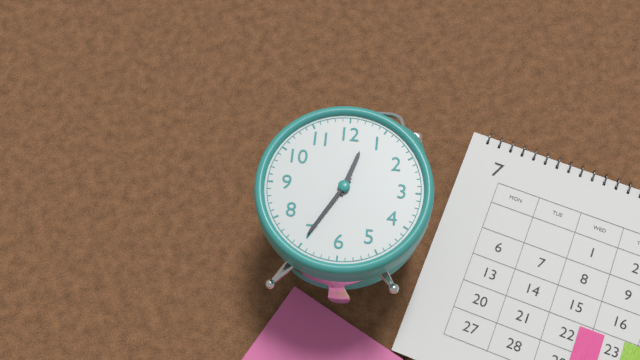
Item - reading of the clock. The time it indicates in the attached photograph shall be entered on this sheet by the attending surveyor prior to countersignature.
12:35
